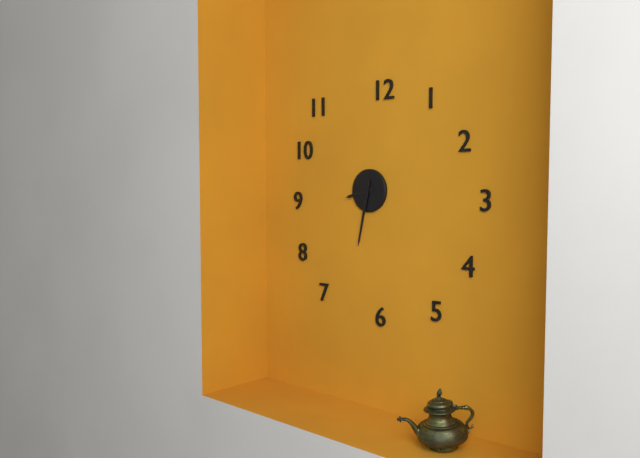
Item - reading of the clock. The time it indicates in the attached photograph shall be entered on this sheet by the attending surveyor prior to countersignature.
8:32
